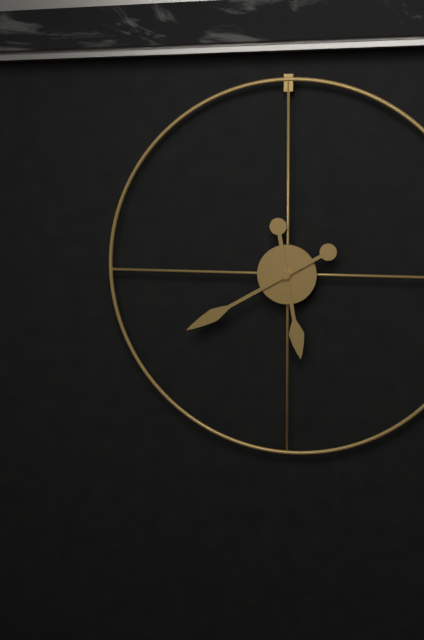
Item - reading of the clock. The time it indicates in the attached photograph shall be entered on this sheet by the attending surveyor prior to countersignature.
5:40
